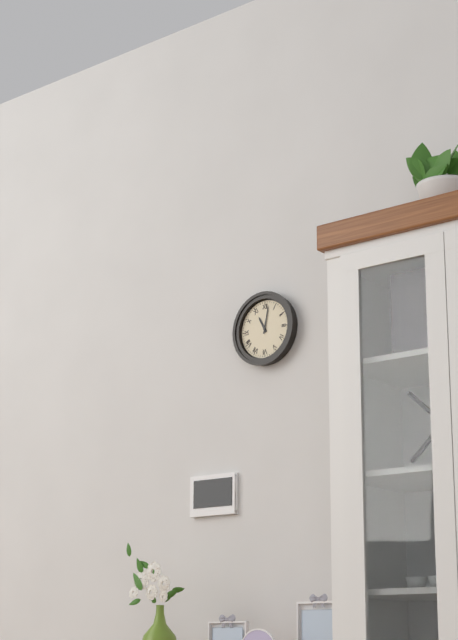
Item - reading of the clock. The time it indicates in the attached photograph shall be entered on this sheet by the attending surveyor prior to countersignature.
11:02
